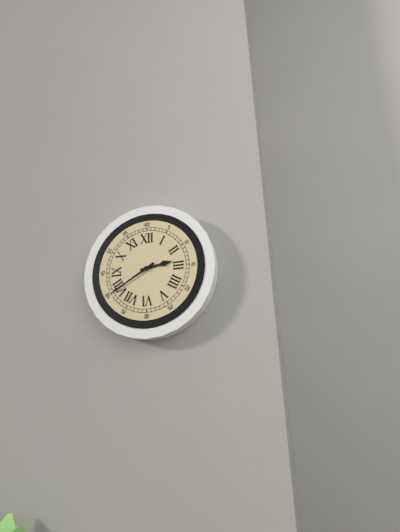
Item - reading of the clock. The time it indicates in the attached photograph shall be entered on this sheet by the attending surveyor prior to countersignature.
2:40
